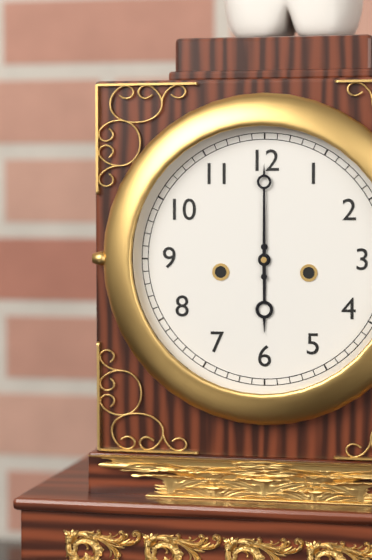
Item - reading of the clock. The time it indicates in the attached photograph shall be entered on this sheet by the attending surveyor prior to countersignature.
6:00
